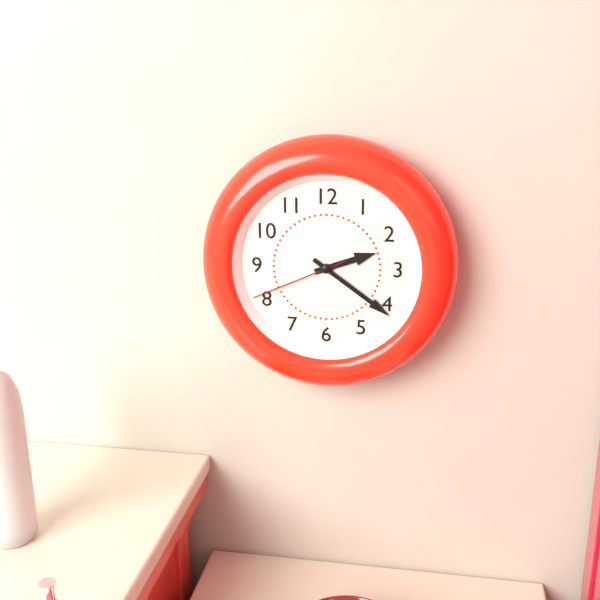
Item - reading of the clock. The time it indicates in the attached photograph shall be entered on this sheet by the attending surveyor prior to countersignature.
2:21:41
